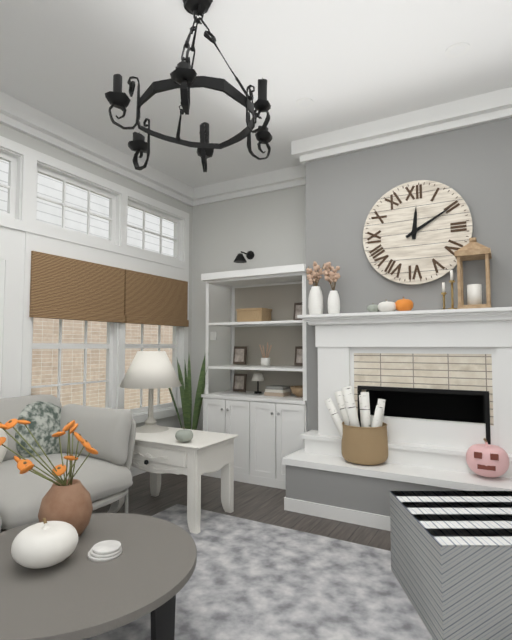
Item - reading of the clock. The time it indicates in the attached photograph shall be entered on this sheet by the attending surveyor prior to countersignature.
12:10
